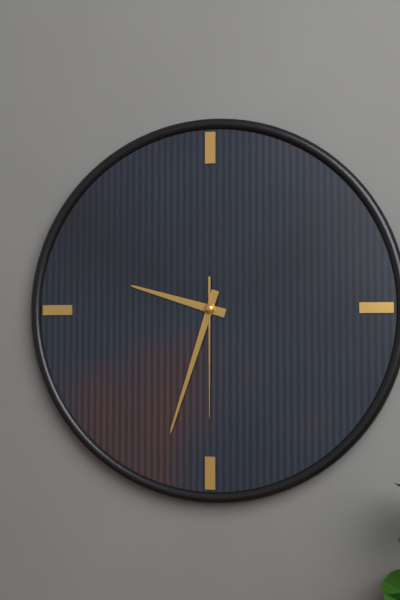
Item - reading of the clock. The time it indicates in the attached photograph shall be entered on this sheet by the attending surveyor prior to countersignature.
9:33:30
